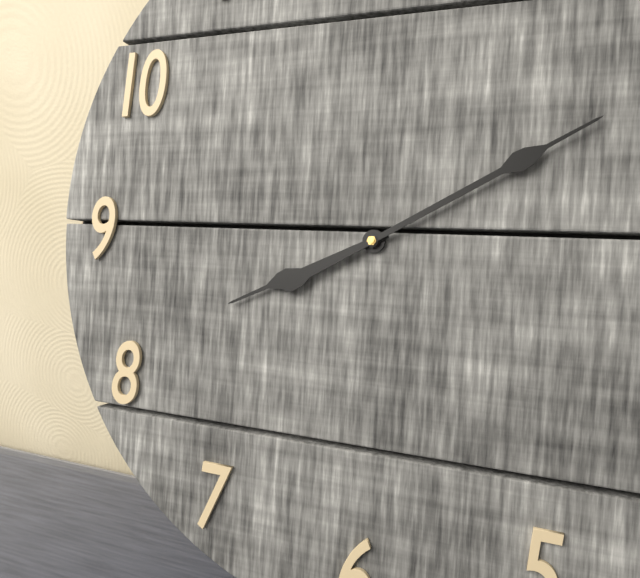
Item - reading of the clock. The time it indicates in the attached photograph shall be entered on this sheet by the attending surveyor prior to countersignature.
8:10
